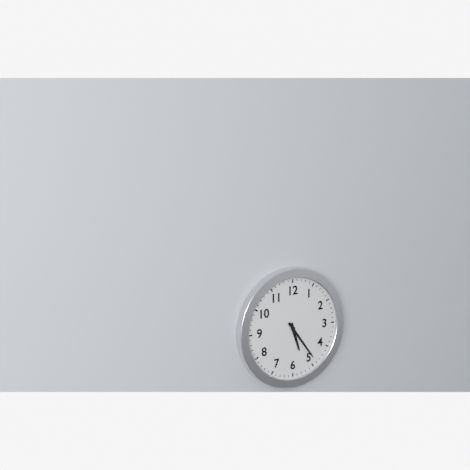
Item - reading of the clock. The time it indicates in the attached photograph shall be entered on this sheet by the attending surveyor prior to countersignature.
5:24
